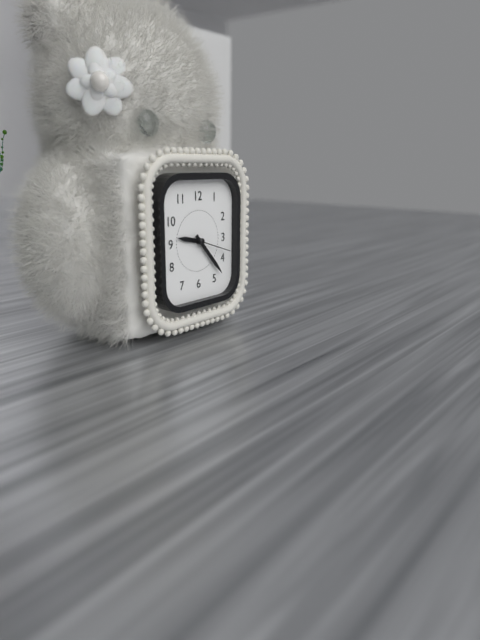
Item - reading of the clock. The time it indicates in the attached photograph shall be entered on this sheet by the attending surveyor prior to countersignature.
9:23
